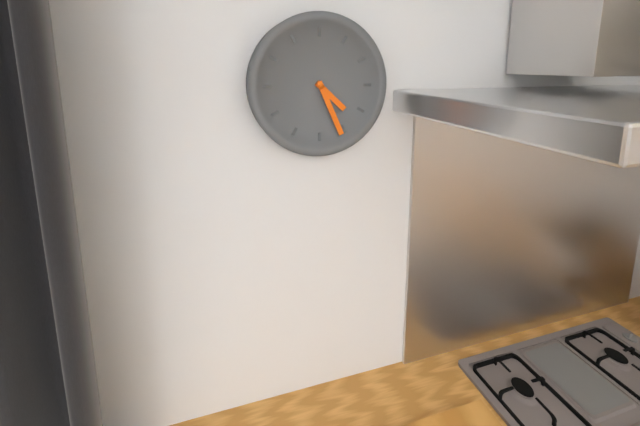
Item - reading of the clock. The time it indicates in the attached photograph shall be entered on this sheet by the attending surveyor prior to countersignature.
4:26
